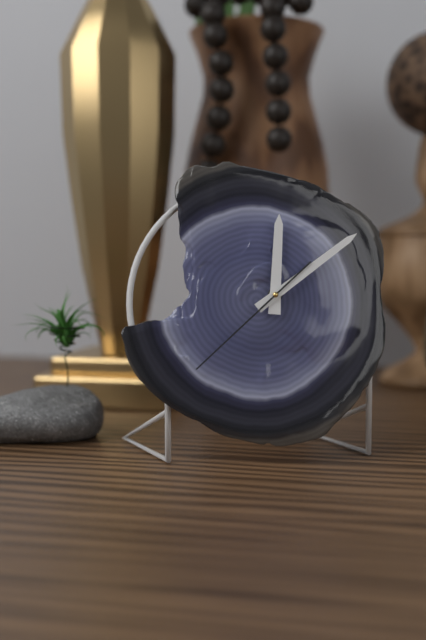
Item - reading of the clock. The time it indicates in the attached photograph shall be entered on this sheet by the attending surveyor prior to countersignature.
12:09:38
